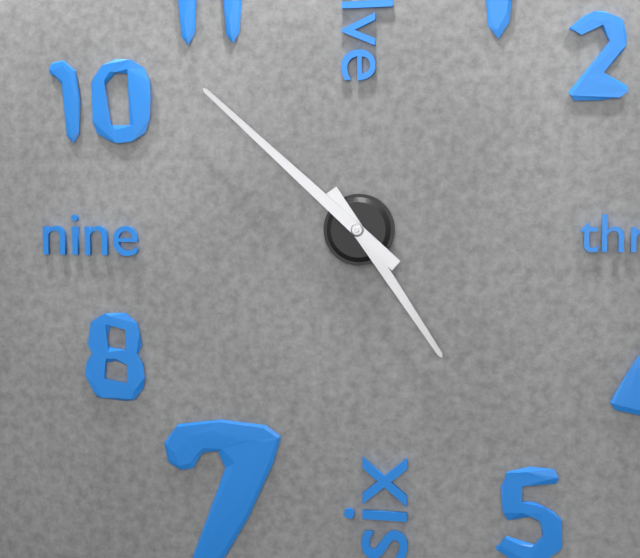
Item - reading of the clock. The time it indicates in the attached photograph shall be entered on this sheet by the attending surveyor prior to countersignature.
4:52
